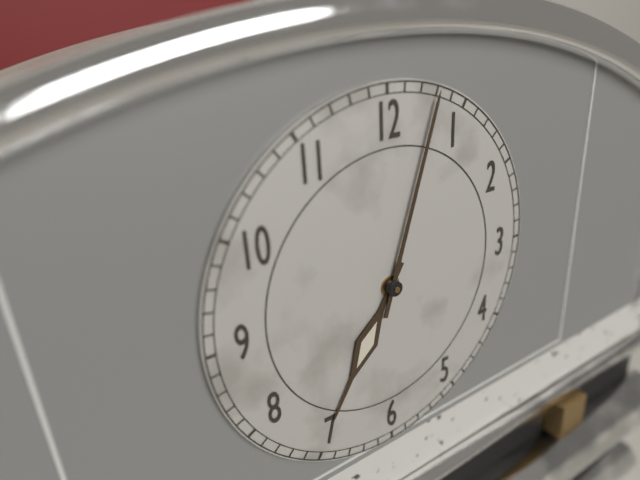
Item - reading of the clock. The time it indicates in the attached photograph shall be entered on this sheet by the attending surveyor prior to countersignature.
7:03
